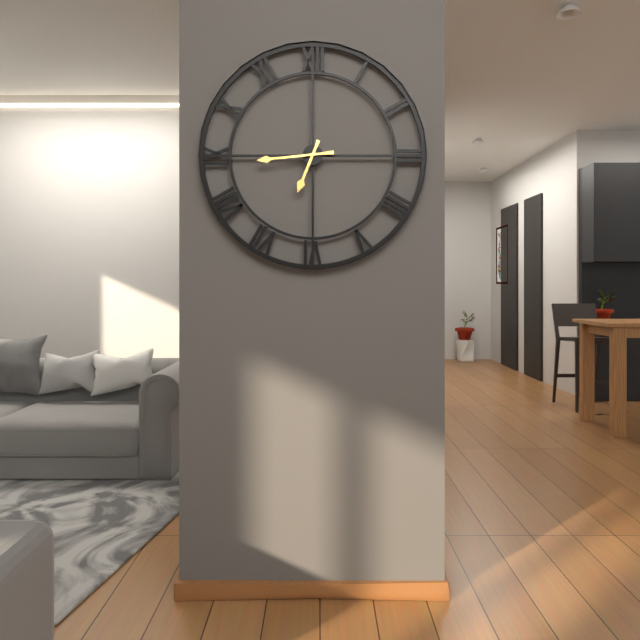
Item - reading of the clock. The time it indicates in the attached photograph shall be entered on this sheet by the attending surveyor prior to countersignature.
6:44
